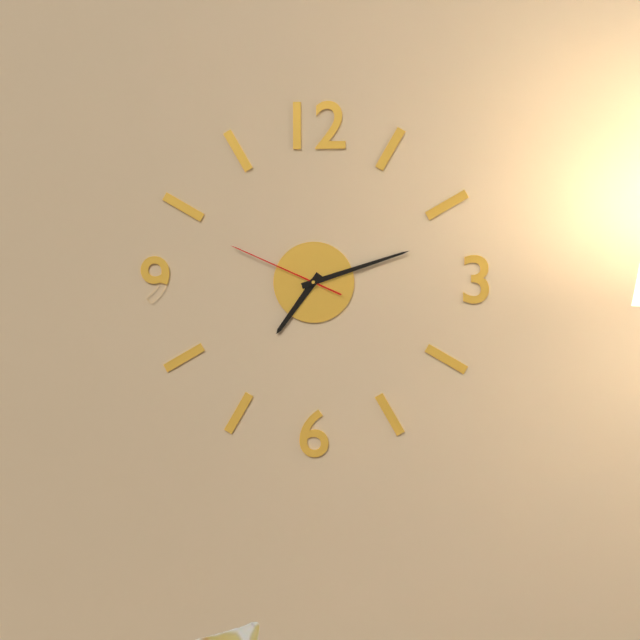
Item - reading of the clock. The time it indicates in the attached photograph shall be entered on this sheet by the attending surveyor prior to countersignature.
7:12:49
